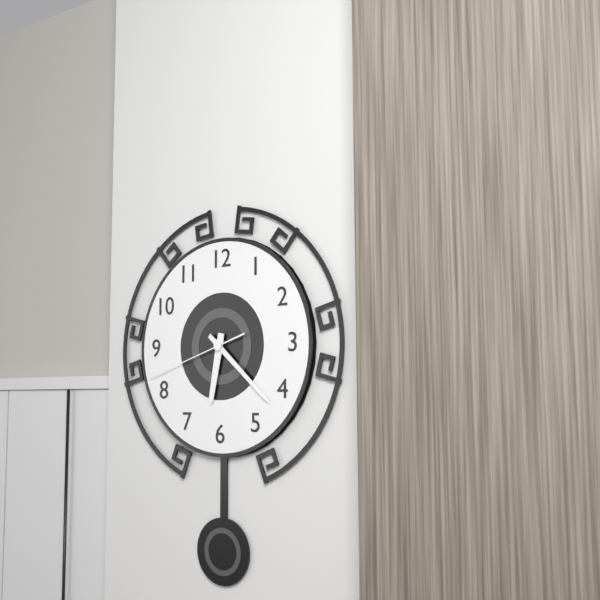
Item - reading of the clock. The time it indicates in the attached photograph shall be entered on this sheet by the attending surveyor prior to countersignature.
6:22:42
